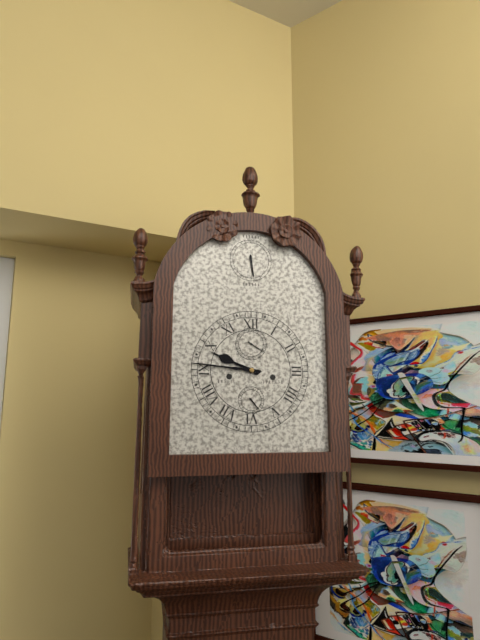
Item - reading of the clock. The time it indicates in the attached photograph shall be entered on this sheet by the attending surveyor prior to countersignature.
9:46
